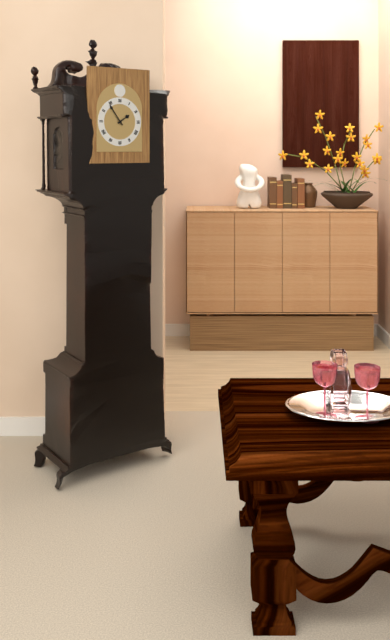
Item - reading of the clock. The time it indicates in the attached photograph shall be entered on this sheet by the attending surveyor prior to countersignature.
1:54
